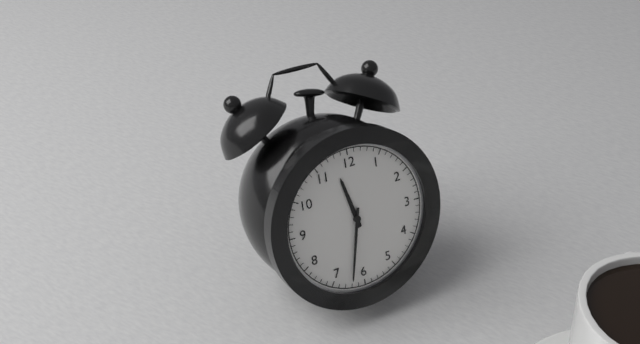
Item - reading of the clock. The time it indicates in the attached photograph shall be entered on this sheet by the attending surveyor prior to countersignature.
11:32
